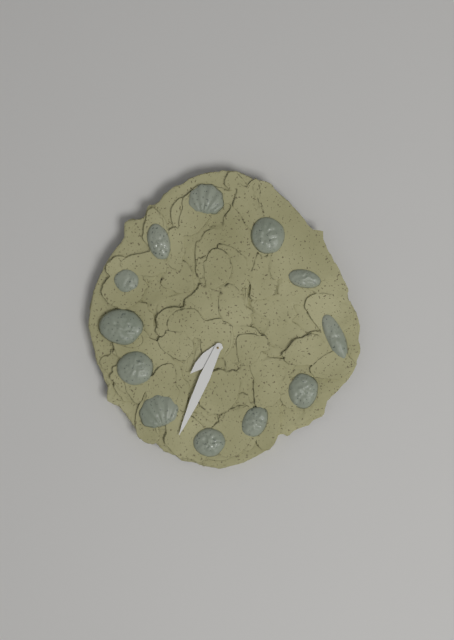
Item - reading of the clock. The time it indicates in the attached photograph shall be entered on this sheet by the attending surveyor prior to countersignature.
7:34
